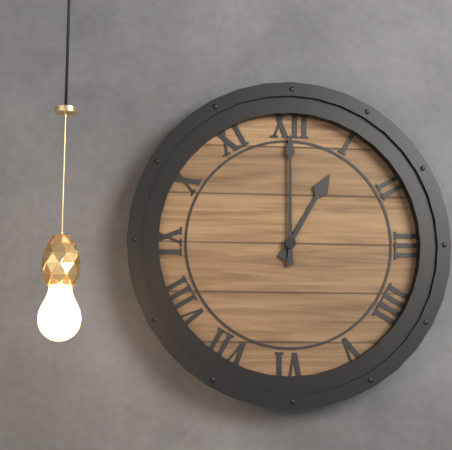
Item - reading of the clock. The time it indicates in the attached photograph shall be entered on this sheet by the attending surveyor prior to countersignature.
1:00
